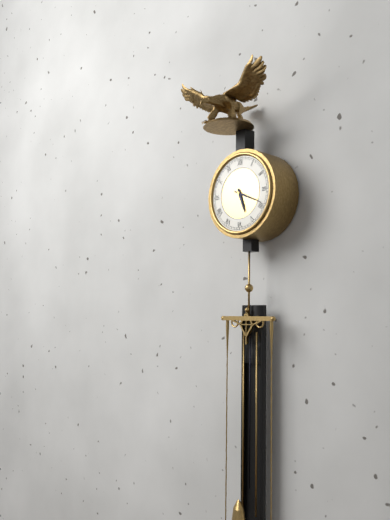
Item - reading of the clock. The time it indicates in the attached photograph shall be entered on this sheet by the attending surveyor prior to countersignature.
5:19
